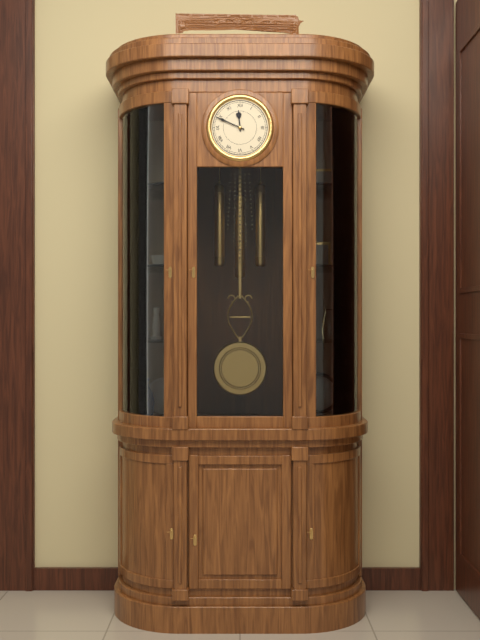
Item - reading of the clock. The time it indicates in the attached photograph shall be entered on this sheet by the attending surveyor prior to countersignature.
11:49
